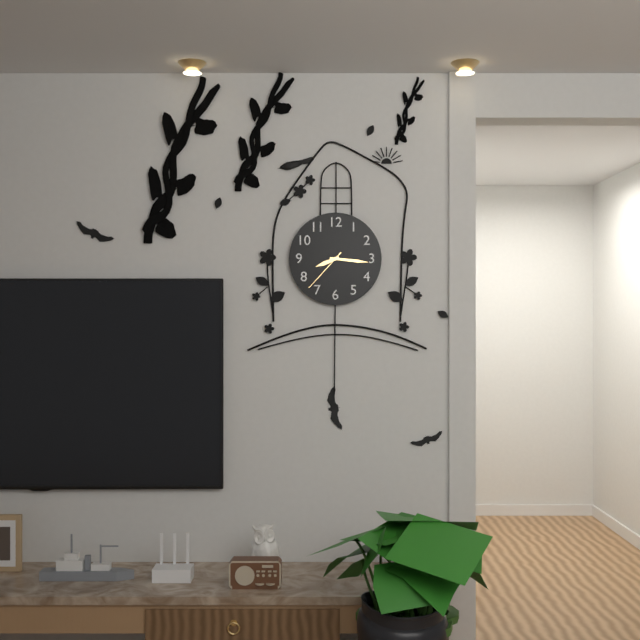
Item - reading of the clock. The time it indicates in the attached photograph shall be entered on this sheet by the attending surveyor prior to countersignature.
8:16
